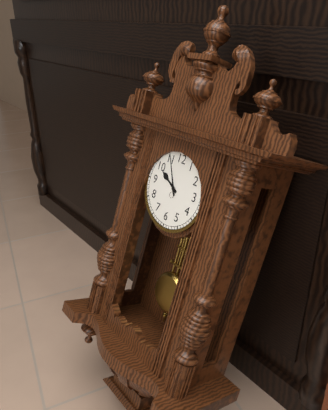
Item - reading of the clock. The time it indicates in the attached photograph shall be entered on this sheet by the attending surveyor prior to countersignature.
9:55
